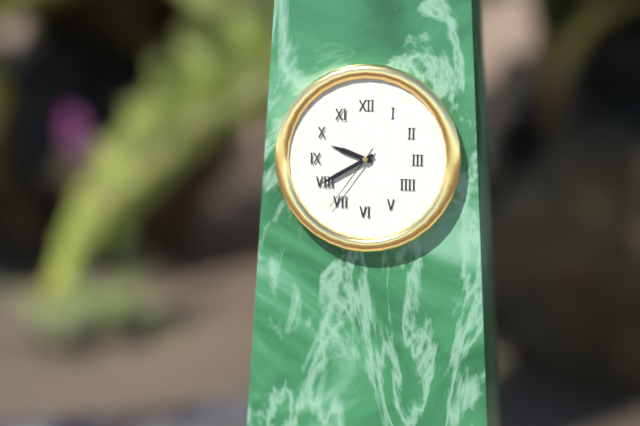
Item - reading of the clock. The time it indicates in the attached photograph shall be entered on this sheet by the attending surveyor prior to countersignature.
9:40:36
